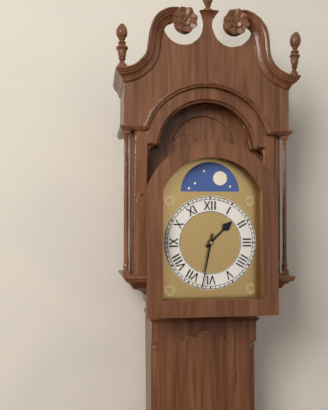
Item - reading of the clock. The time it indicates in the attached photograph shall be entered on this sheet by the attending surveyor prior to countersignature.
1:32
